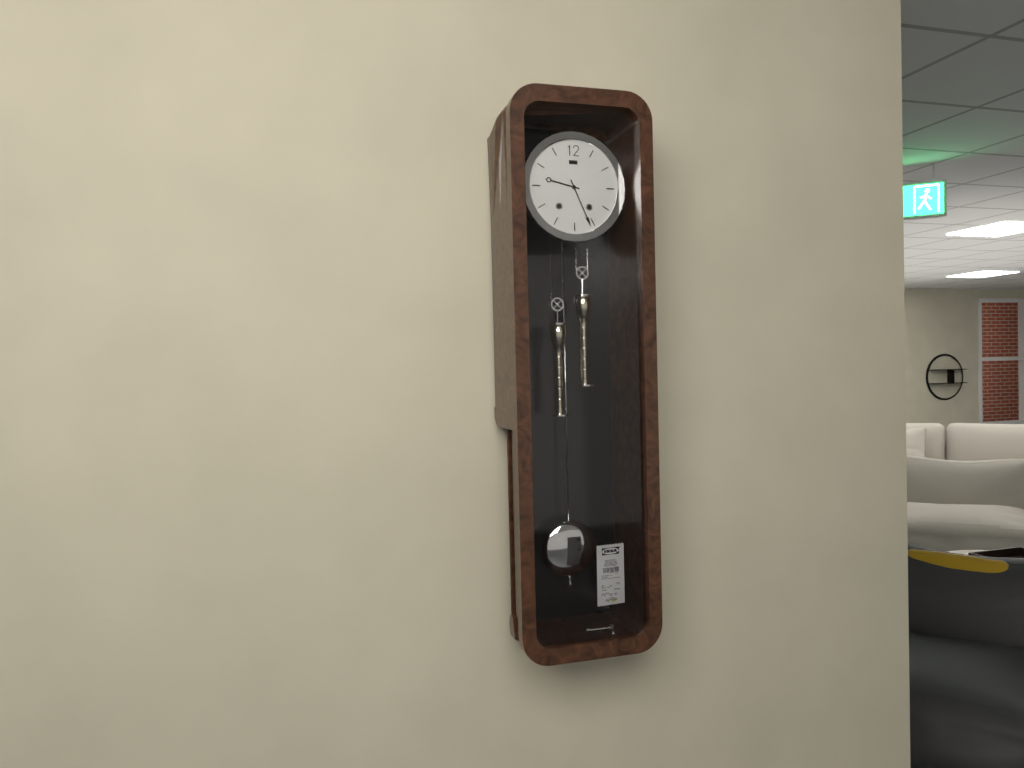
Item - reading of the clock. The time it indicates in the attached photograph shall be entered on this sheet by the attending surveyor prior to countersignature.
9:26
